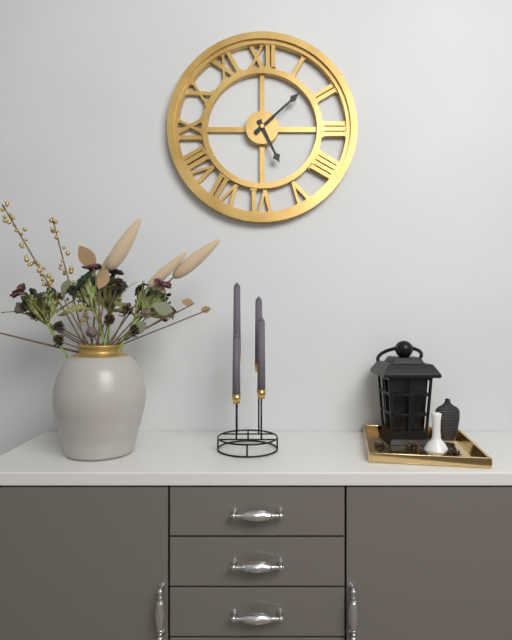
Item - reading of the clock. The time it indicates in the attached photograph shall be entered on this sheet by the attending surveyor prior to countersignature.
5:08
